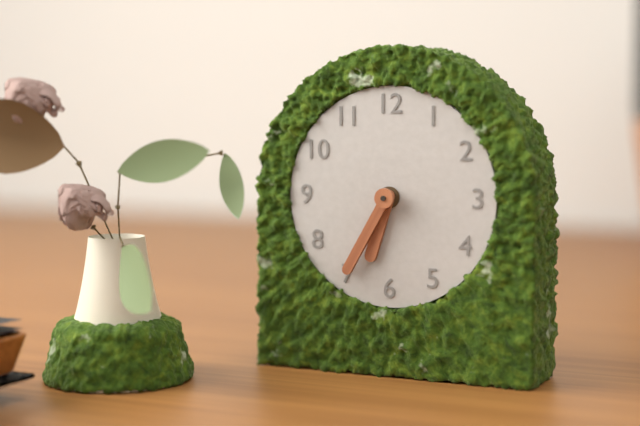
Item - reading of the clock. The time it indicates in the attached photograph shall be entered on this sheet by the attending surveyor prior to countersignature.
6:35
